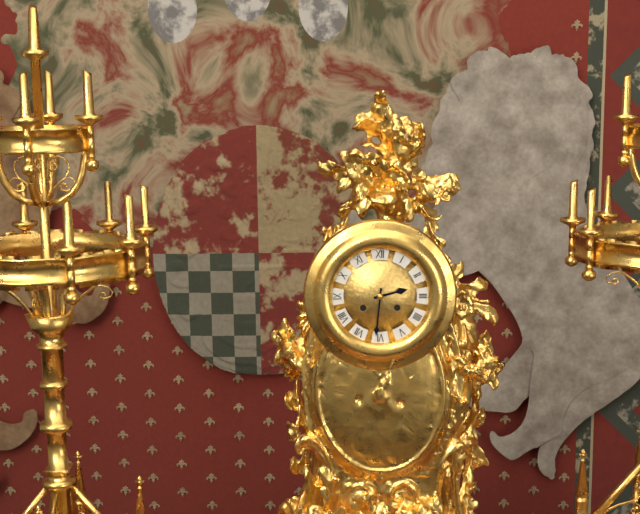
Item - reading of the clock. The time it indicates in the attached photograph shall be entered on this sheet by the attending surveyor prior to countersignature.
2:31
